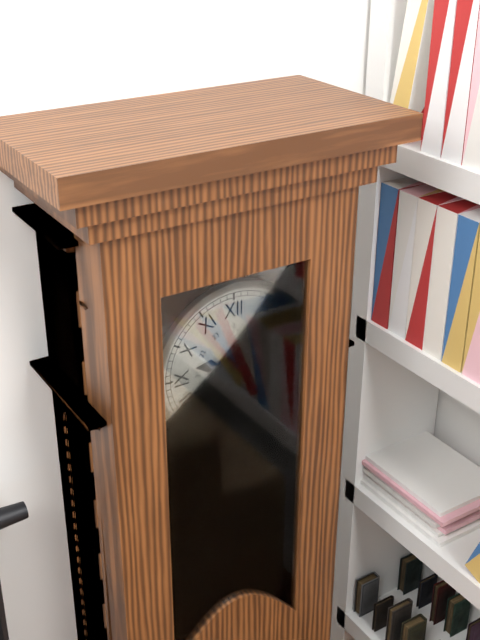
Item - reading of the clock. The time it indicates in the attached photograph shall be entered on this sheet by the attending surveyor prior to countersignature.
9:20
